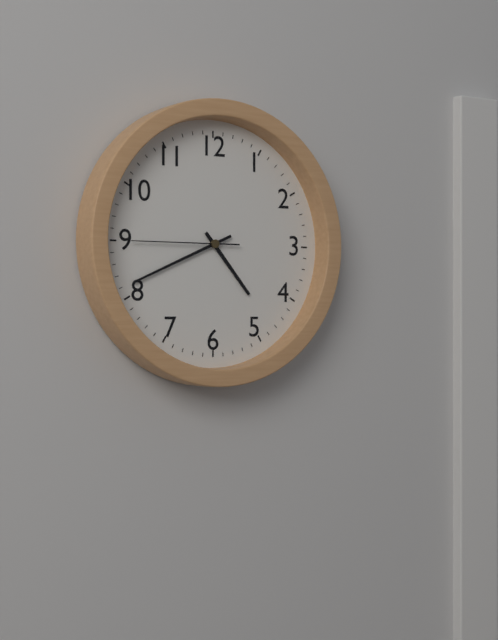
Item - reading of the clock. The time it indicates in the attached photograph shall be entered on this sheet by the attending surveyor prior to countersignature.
4:41:45
